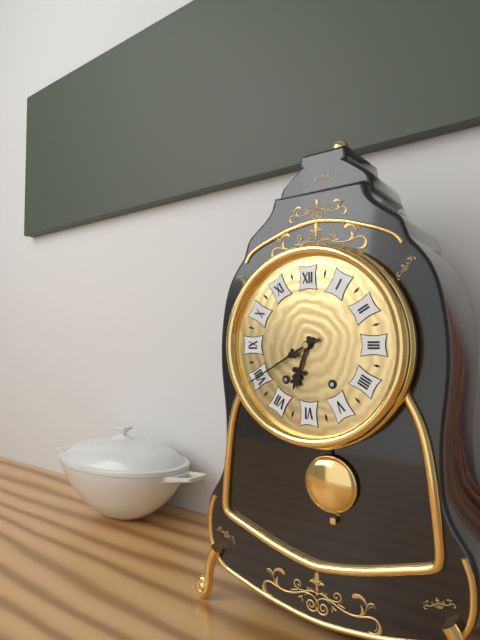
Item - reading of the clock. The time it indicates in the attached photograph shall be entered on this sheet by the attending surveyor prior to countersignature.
6:40
